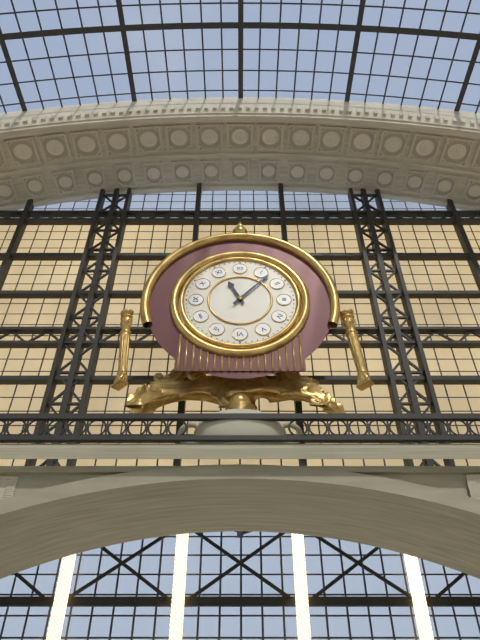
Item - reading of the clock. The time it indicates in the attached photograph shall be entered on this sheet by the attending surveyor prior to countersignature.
11:07
